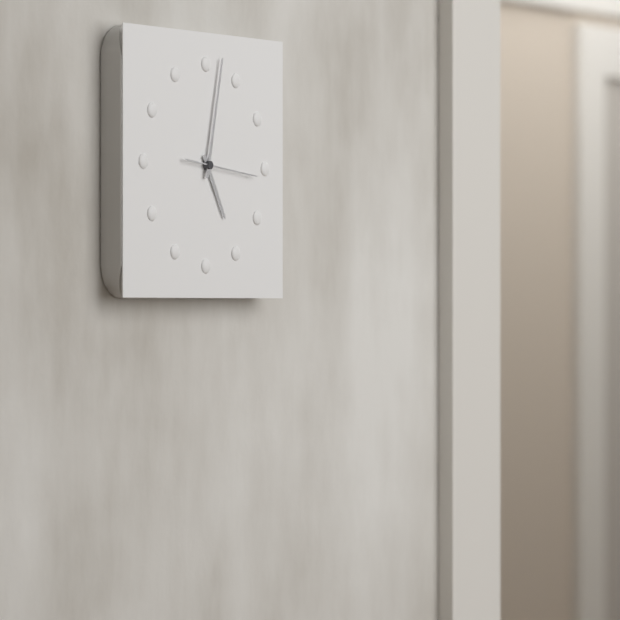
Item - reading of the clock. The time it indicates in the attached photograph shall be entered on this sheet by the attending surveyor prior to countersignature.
5:02:16
